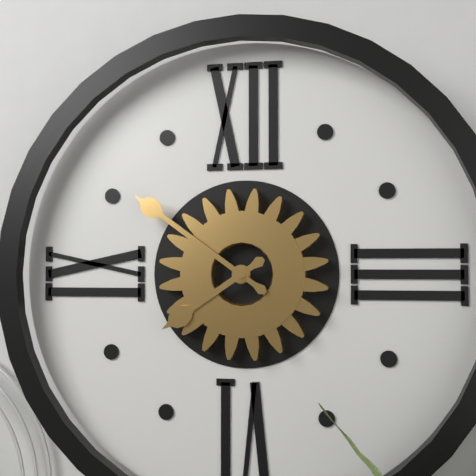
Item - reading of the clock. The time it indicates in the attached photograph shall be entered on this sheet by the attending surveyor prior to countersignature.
7:51
